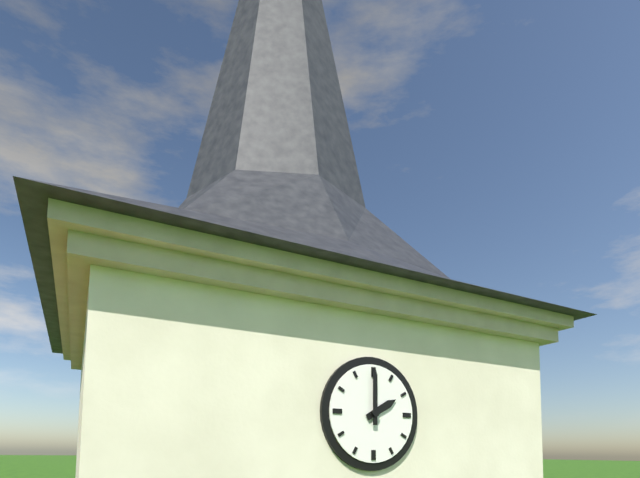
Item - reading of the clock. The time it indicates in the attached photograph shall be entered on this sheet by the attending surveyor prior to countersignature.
2:00
